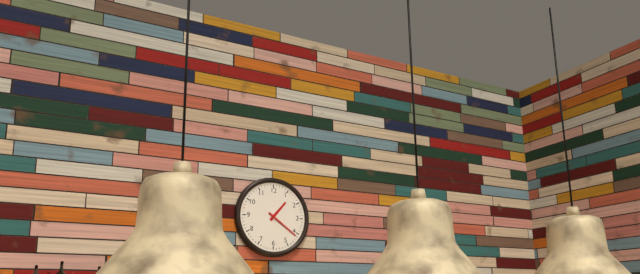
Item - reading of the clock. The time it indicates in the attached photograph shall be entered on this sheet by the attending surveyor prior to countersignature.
1:21
